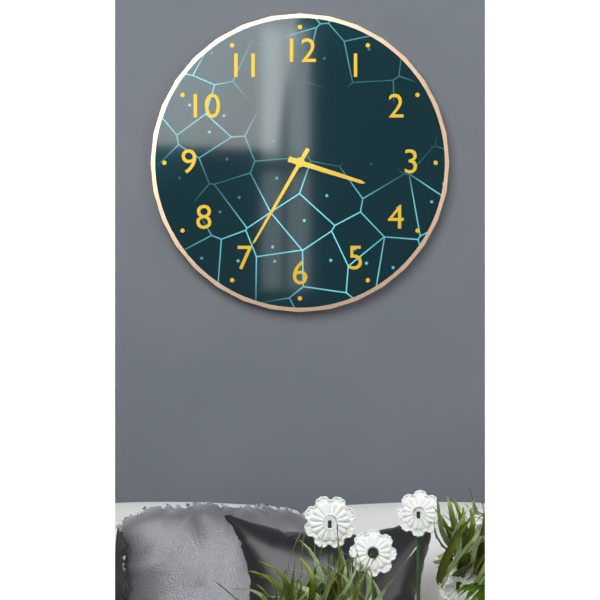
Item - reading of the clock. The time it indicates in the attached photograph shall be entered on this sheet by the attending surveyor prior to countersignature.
3:35
